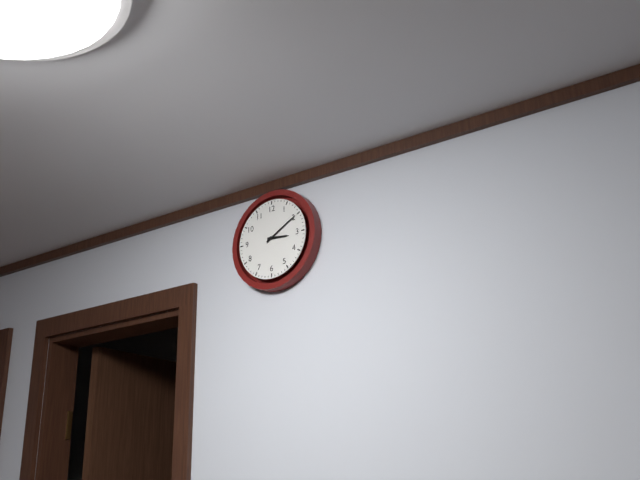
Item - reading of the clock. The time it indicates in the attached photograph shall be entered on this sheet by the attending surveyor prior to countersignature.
3:10
